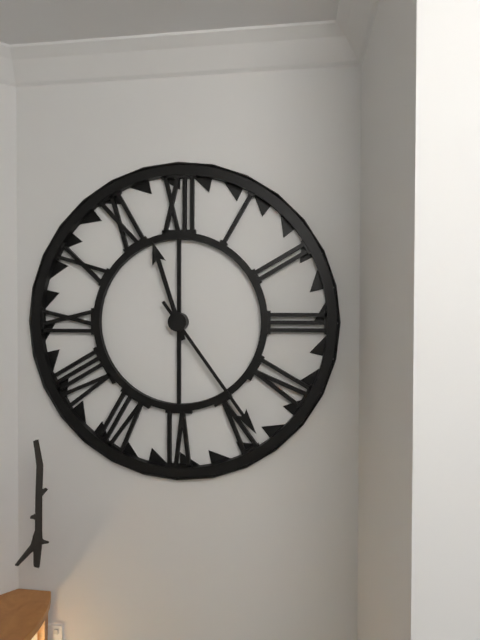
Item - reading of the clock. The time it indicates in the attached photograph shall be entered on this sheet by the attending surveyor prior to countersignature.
11:24
